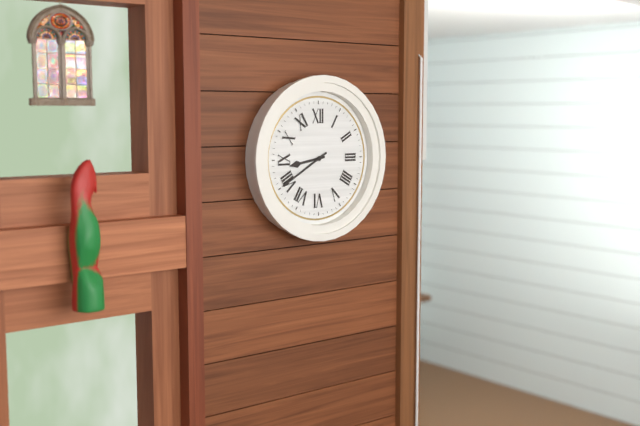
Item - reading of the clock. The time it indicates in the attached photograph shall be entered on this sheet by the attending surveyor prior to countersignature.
8:40
